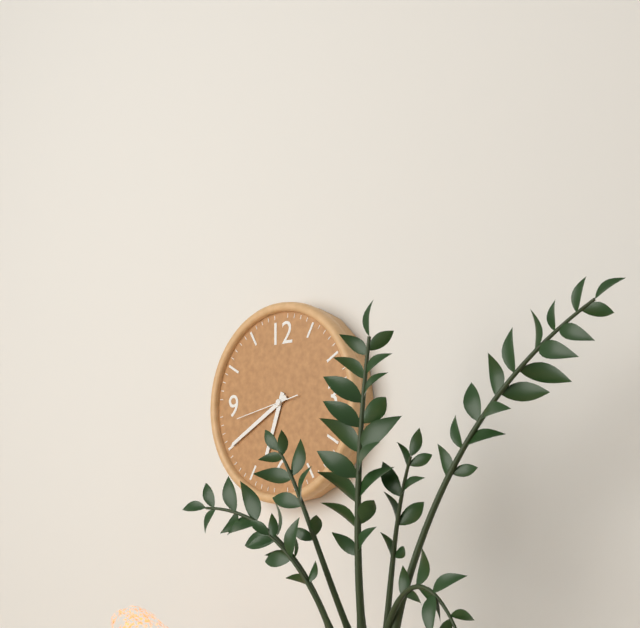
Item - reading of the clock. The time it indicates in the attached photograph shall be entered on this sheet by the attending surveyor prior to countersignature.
6:40:43
